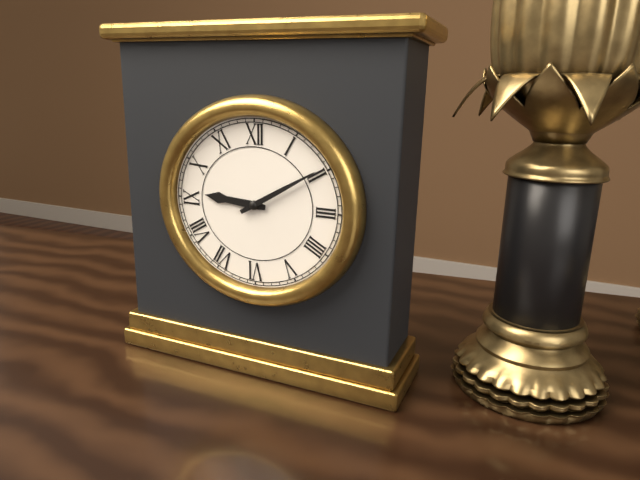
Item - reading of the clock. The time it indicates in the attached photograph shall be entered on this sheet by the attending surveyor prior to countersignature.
9:10
